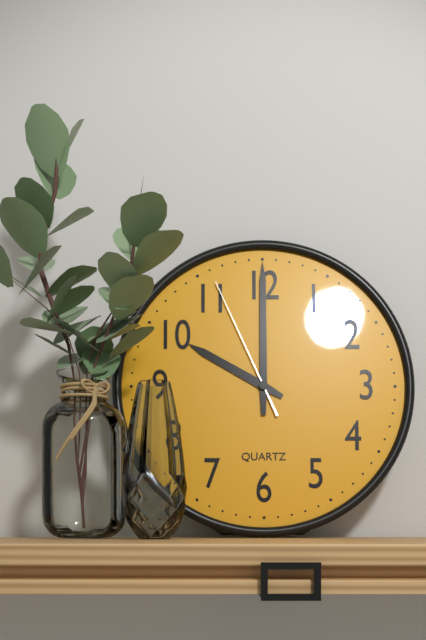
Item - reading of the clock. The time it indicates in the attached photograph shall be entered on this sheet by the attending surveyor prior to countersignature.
10:00:56
